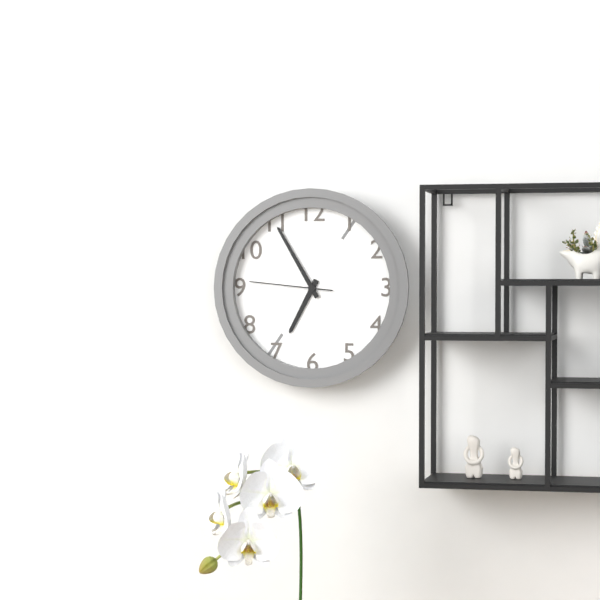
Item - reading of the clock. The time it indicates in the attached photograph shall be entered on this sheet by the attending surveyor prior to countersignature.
6:55:46
